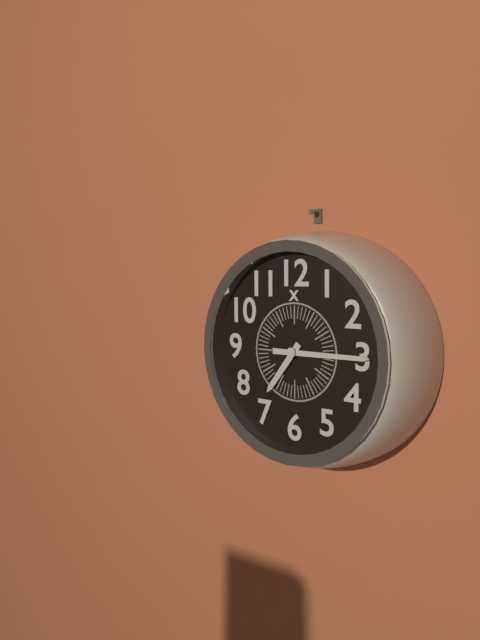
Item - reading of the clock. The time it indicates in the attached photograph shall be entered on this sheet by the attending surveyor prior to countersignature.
7:15
